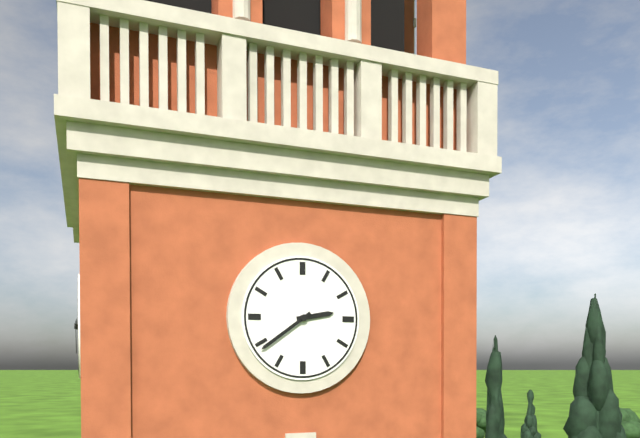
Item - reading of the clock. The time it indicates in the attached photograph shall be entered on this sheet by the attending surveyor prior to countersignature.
2:39
